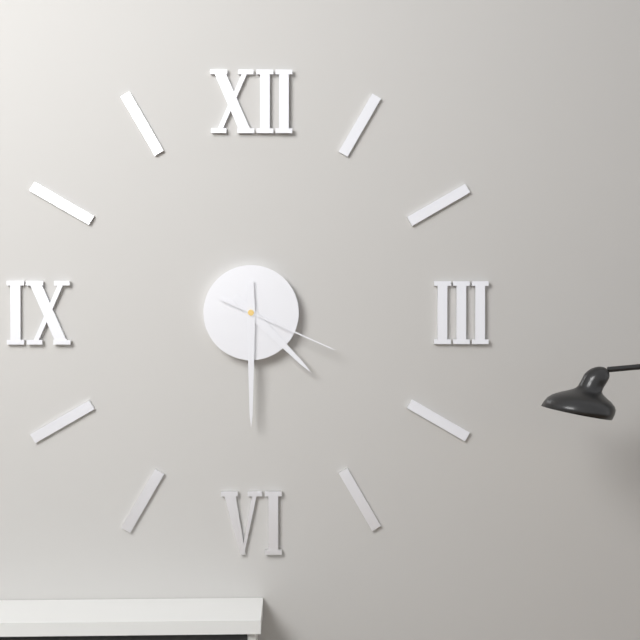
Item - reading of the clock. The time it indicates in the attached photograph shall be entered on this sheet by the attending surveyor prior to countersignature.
4:30:19
